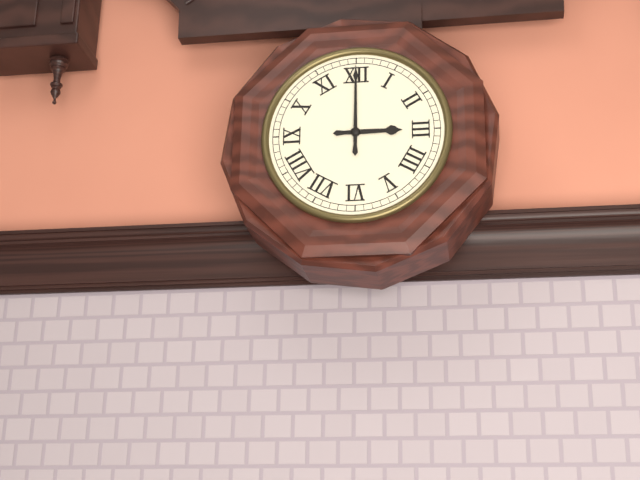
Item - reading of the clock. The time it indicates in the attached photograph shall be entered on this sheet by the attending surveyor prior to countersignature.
3:00
